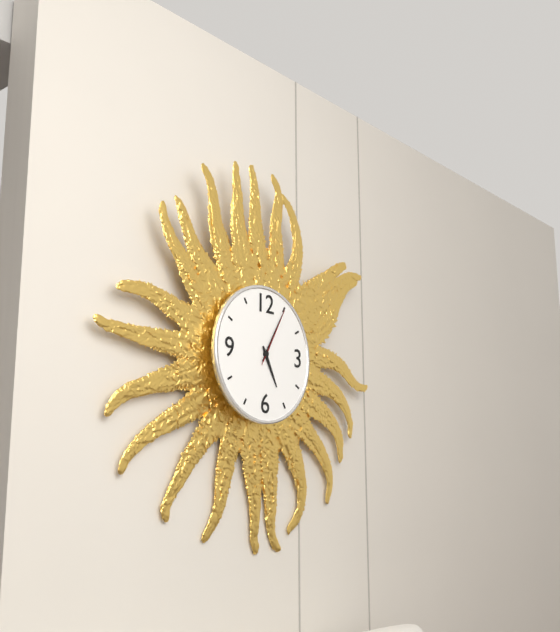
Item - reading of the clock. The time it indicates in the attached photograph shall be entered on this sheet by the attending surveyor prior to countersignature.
5:05:05
